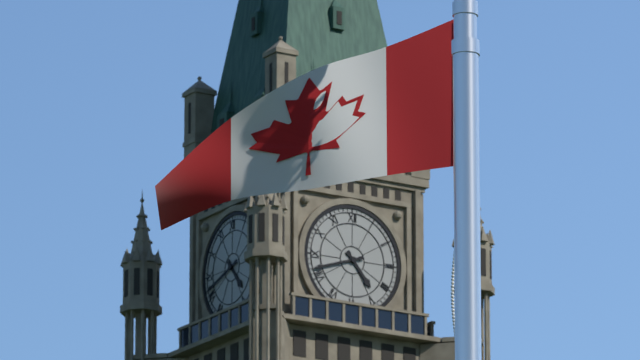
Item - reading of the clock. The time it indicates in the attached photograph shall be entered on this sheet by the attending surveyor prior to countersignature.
4:42
